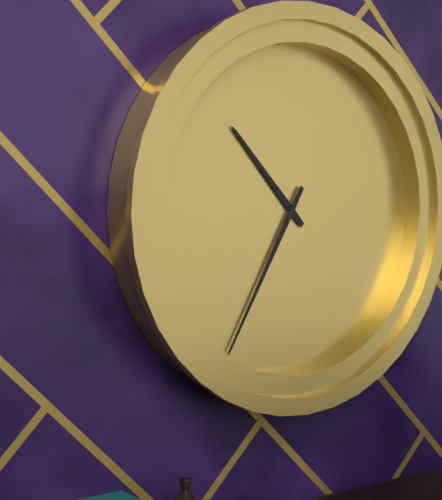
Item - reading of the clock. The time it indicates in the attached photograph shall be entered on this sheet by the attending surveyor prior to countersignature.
10:35
